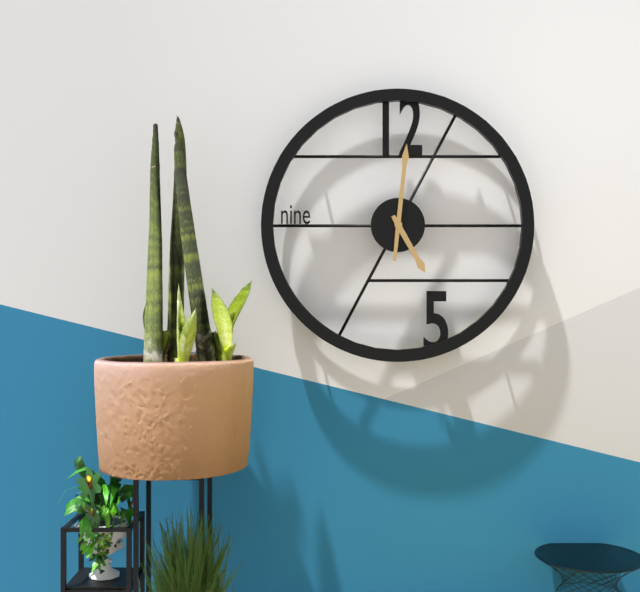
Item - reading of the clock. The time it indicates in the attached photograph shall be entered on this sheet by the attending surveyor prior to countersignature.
5:01
